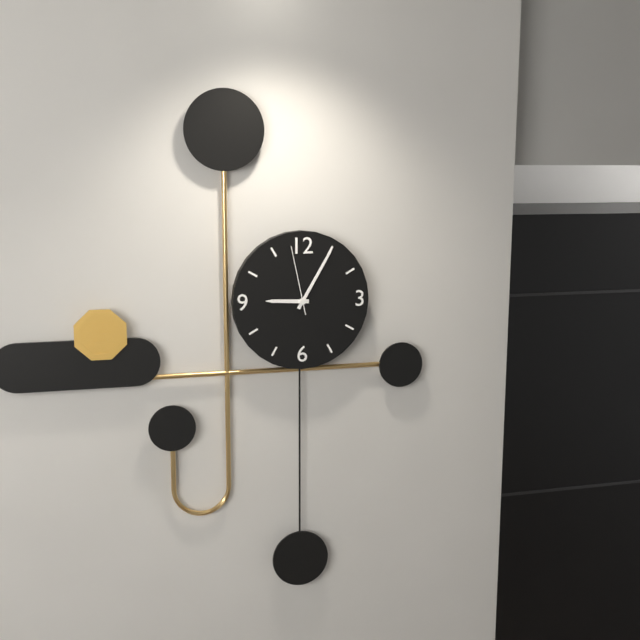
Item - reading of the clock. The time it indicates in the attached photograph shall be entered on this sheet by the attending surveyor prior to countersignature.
9:05:58
